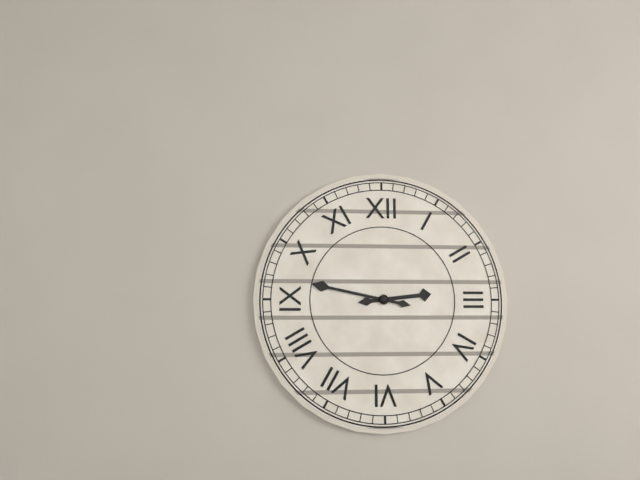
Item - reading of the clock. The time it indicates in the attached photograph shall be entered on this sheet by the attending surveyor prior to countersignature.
2:47
